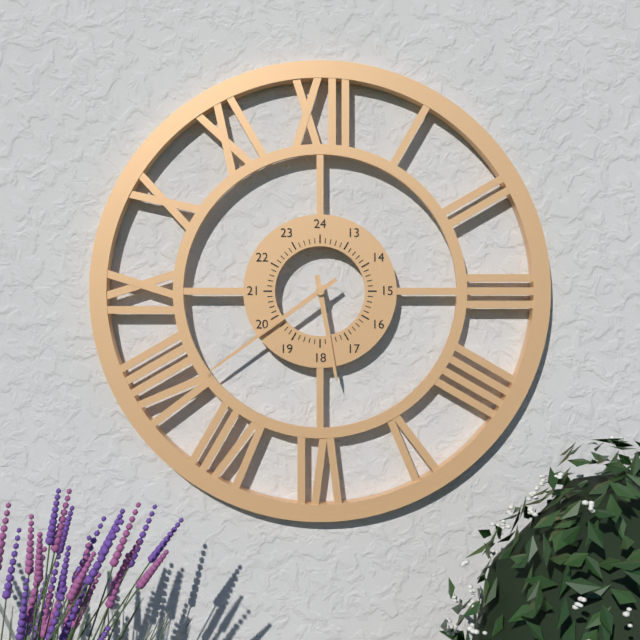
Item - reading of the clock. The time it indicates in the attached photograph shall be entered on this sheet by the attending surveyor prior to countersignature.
5:39
